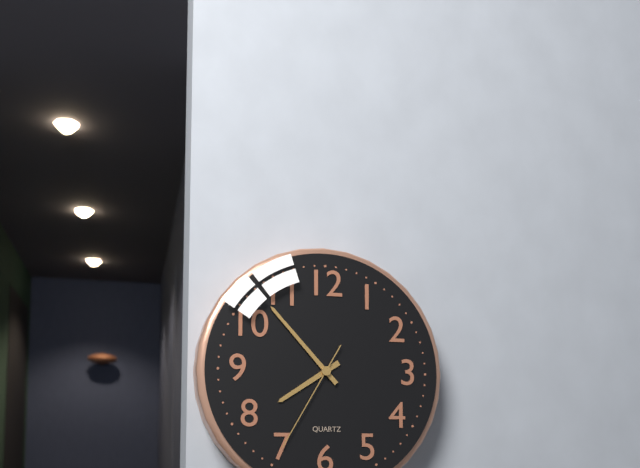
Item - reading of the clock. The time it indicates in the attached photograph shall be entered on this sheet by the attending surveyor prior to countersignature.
7:53:35
